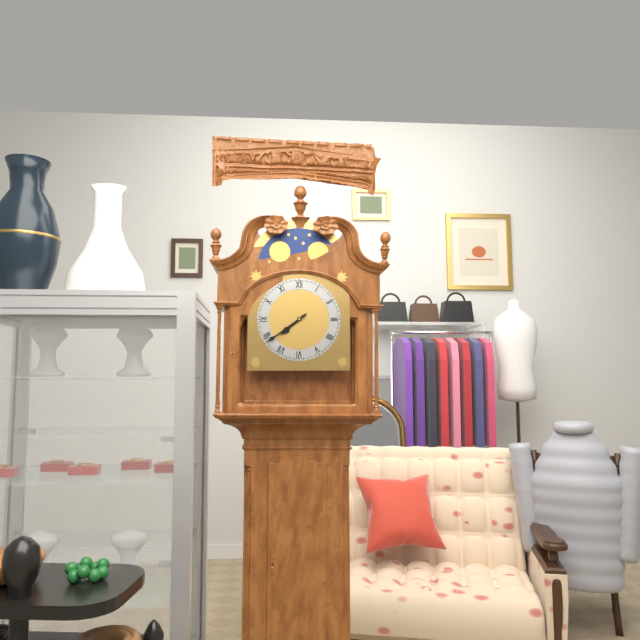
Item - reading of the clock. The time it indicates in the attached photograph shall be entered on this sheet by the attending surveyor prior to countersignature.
7:39
